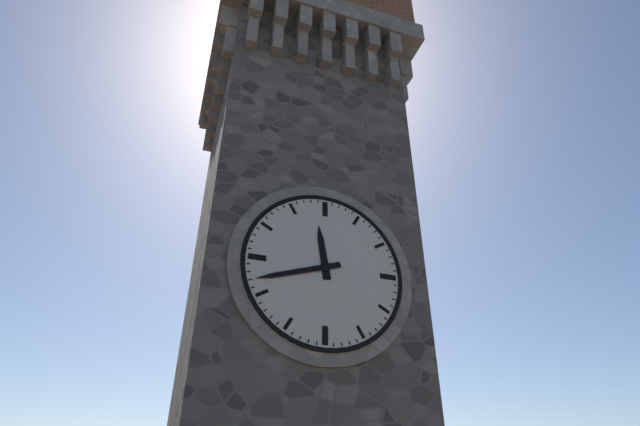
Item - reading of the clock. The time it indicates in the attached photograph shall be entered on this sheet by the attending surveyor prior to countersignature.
11:42
